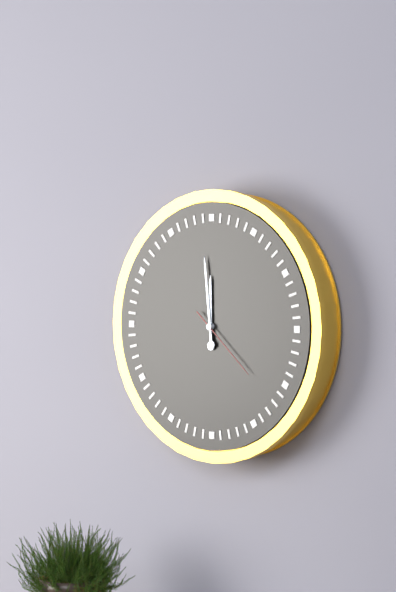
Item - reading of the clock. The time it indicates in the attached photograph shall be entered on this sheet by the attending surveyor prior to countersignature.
11:59:22
